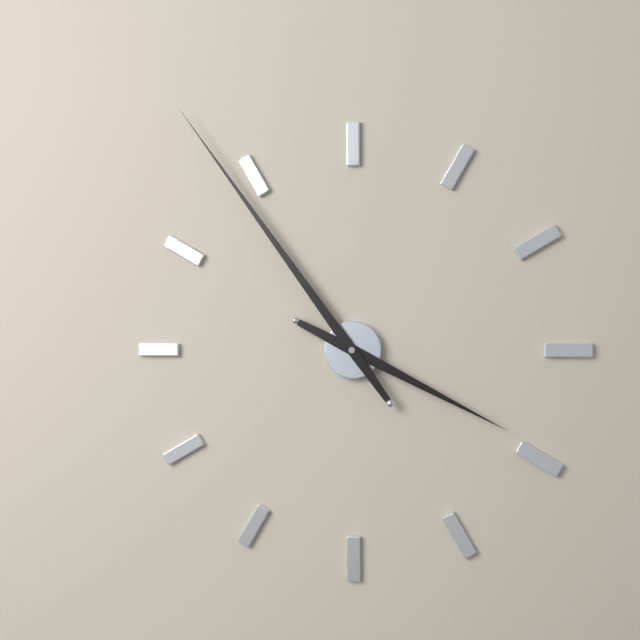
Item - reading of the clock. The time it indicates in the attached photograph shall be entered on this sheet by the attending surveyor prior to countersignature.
3:54
